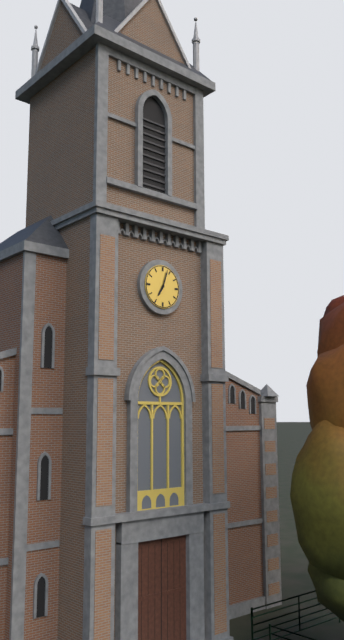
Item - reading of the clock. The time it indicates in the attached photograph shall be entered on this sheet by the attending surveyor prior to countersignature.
7:03
